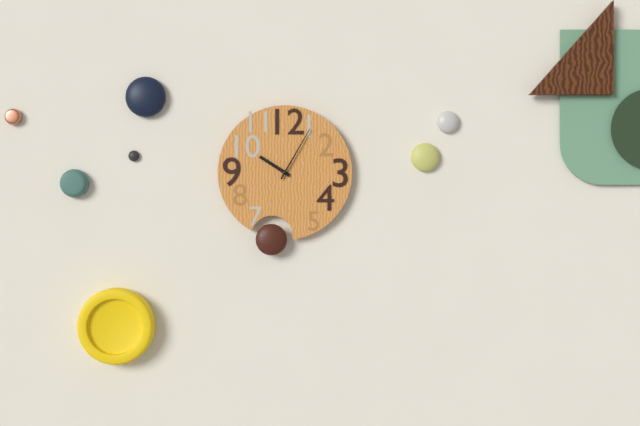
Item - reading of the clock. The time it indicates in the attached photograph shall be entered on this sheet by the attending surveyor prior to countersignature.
10:05
